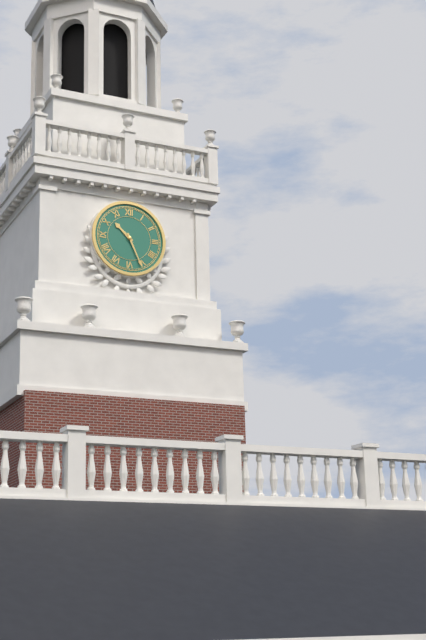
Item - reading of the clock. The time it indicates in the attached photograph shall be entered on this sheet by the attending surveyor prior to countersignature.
10:26
